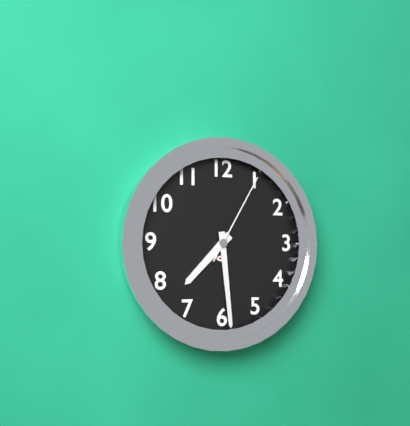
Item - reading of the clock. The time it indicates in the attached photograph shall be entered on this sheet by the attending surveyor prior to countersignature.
7:29:05
